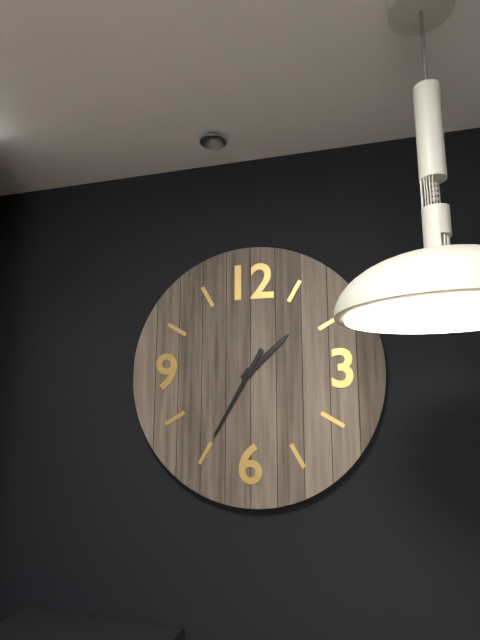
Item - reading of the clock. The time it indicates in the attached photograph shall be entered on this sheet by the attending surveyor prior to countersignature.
1:35
